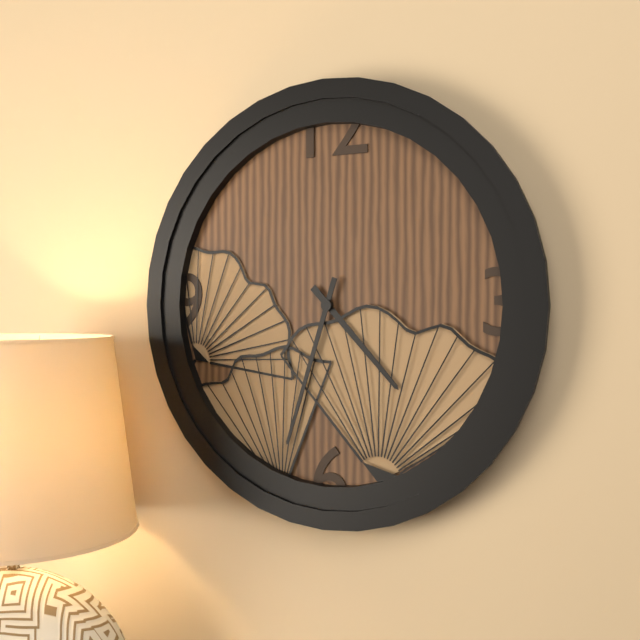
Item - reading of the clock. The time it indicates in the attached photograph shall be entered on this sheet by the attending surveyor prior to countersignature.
4:33
